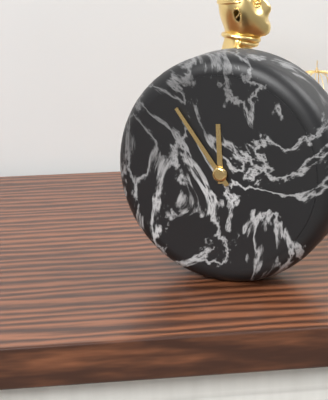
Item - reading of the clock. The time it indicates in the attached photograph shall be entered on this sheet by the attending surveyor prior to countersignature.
11:54
